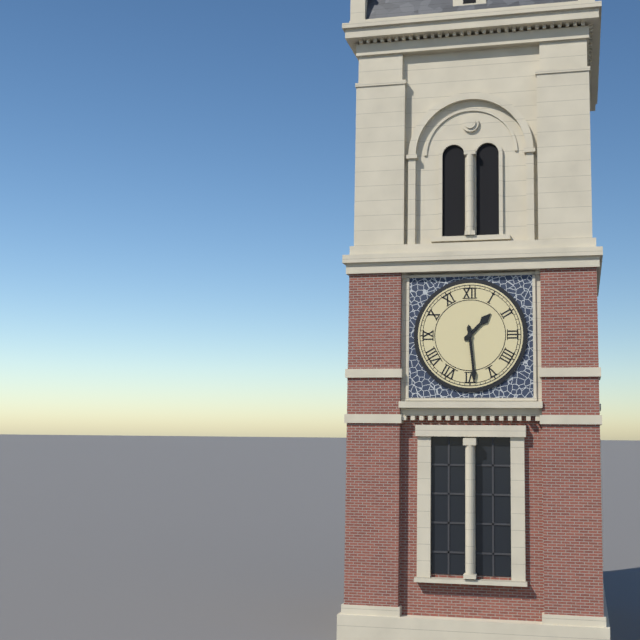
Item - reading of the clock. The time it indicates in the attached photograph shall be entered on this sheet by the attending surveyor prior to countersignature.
1:29
